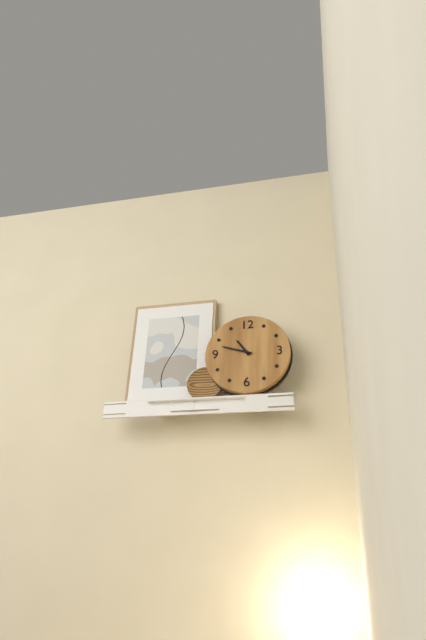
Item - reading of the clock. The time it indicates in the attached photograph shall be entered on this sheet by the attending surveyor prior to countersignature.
10:48
